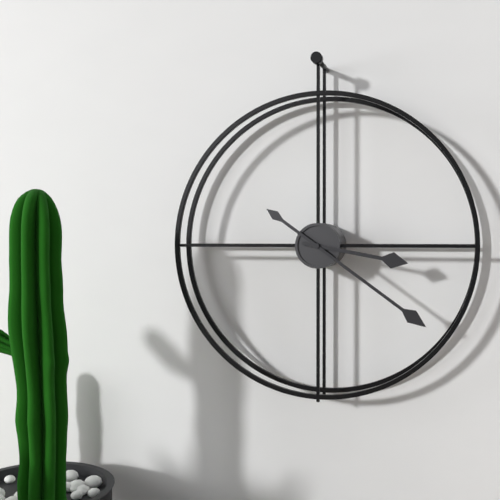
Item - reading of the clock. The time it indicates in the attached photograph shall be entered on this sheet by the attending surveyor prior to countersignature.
3:21
